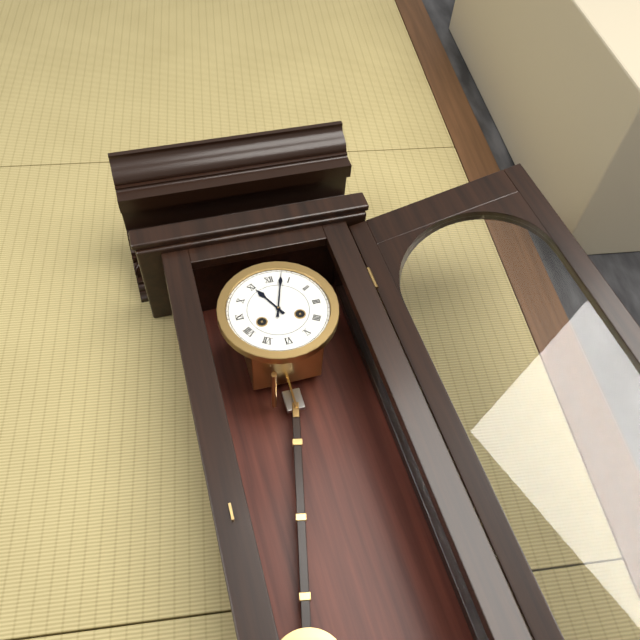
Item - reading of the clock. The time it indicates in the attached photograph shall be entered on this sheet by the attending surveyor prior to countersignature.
11:03
